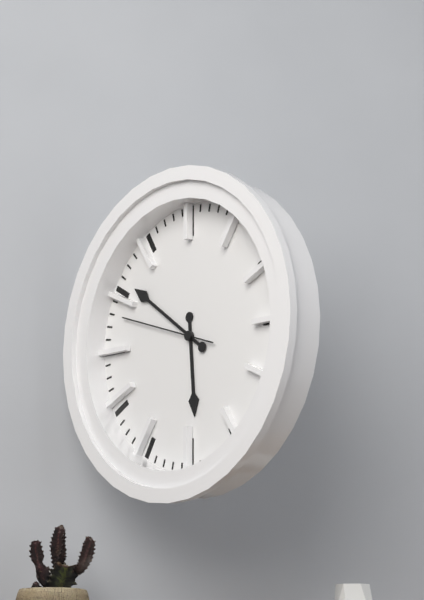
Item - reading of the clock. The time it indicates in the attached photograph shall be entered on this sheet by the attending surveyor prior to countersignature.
5:51:48
